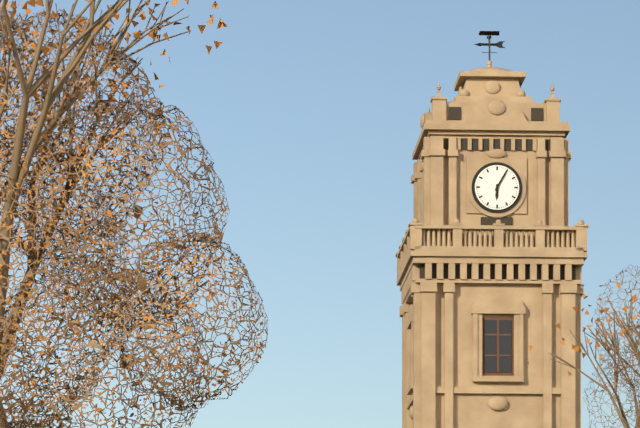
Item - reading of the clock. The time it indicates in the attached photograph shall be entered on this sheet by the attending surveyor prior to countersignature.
6:05
